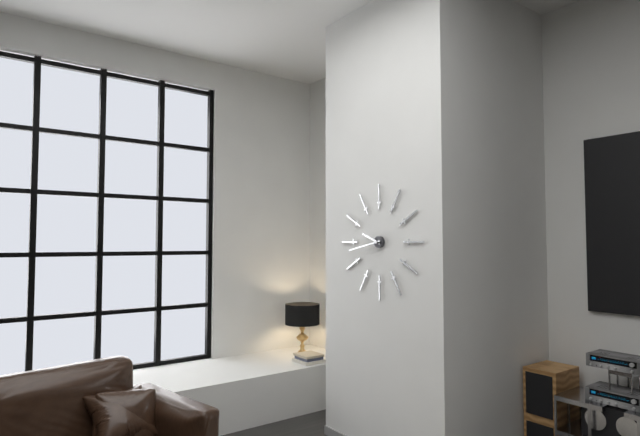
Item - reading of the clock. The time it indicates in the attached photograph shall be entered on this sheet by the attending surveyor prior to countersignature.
9:43
